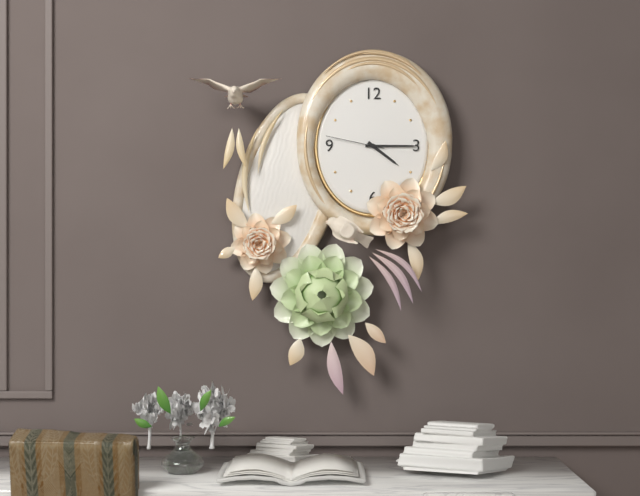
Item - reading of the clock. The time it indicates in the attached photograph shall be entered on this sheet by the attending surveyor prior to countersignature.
4:15:47
